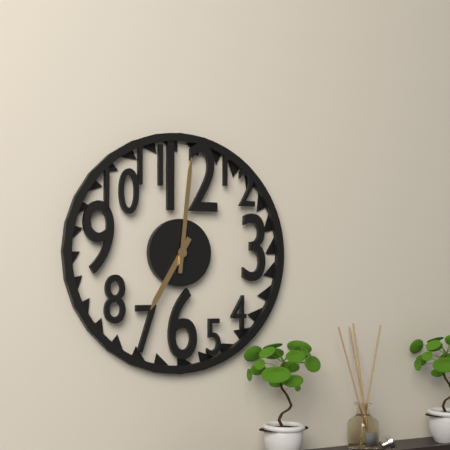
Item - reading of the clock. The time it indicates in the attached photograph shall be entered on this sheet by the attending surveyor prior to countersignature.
7:01
